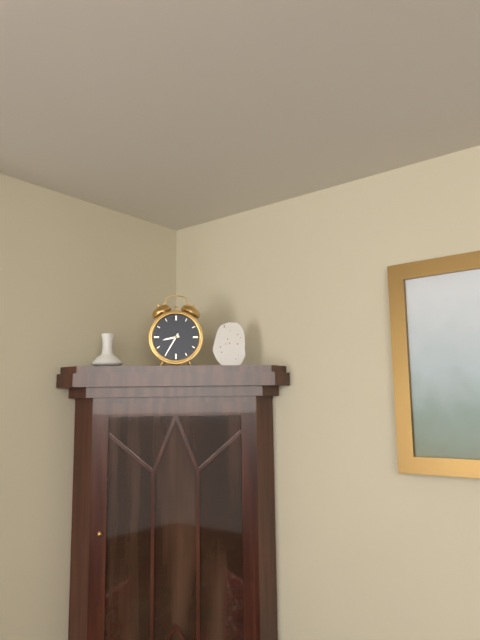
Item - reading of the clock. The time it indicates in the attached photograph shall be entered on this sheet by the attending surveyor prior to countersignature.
8:35
